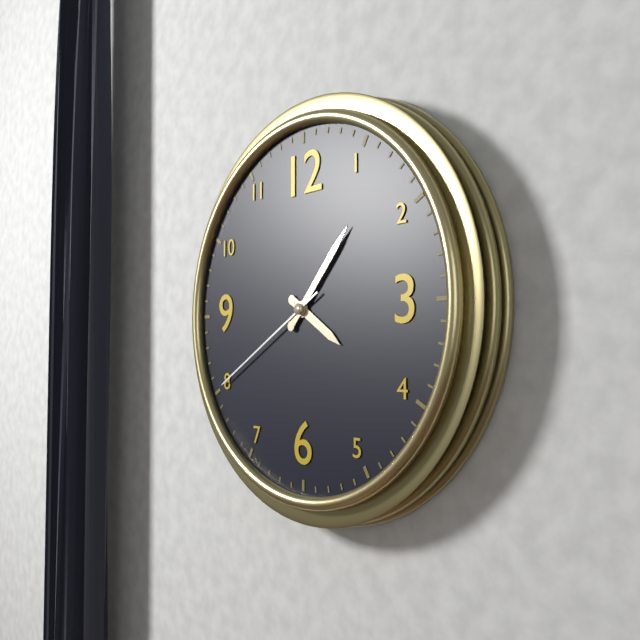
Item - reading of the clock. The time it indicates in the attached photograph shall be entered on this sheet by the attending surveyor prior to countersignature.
4:07:40
